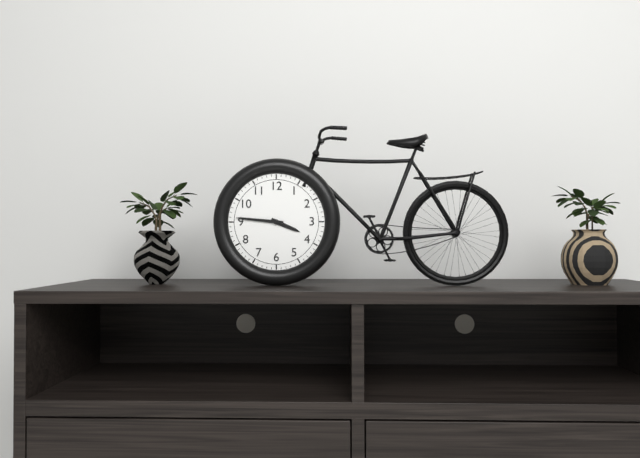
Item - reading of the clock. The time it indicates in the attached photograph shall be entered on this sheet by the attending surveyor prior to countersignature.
3:46
